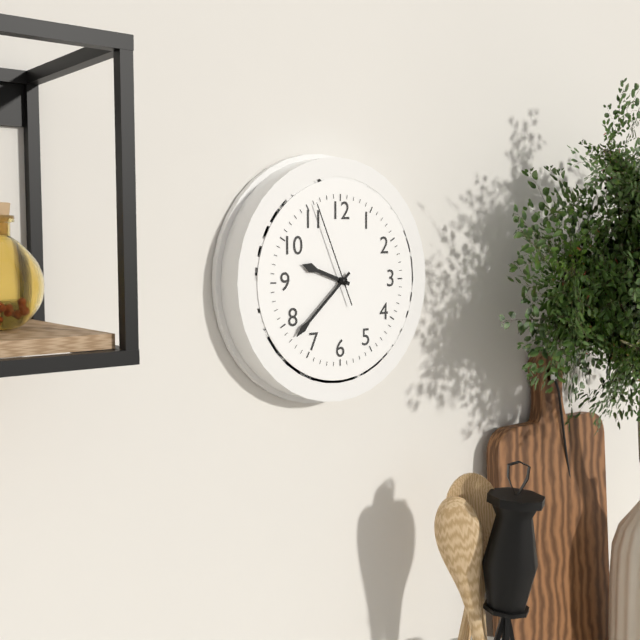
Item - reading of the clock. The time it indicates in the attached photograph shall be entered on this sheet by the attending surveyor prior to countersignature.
9:38:56
